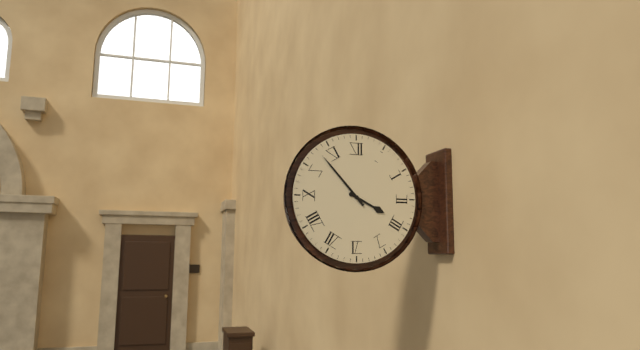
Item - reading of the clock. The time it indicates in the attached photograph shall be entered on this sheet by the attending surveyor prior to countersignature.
3:53
